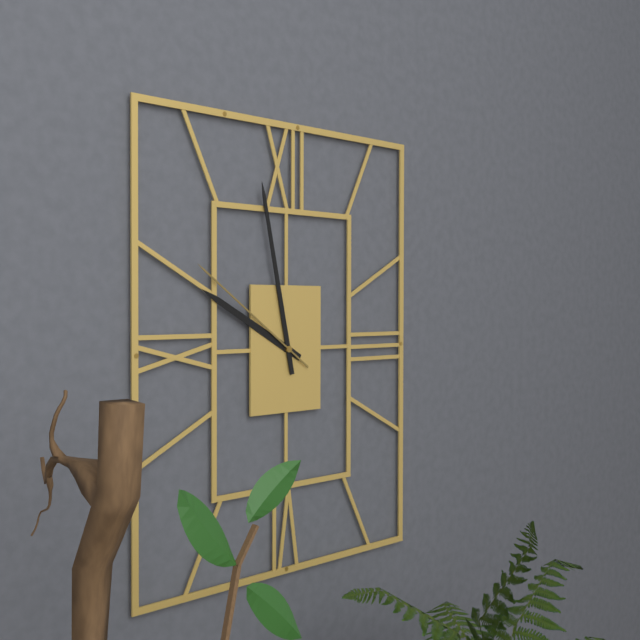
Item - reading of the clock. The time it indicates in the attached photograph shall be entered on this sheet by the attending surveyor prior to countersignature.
9:58:51
